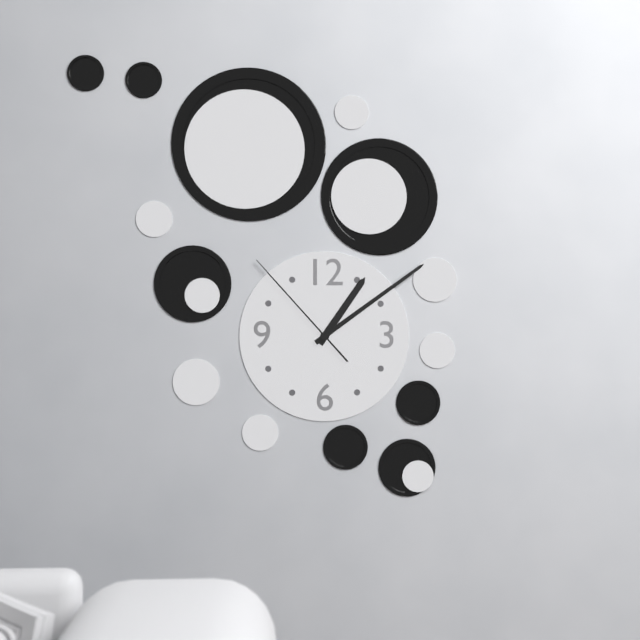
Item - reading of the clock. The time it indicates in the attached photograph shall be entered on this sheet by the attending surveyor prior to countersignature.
1:09:53
